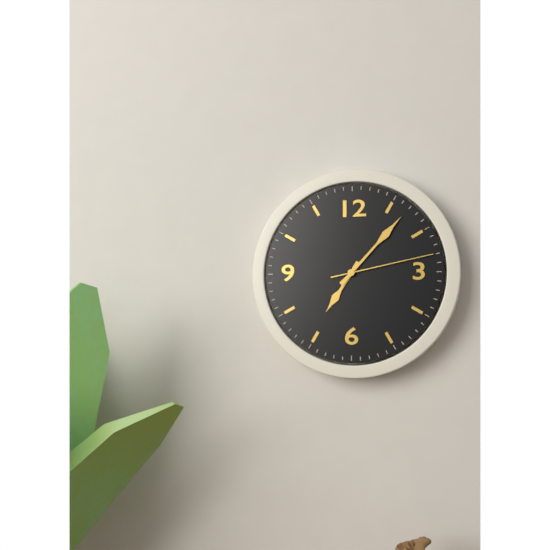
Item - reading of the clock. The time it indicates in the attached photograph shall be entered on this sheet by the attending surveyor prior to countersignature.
7:07:13
